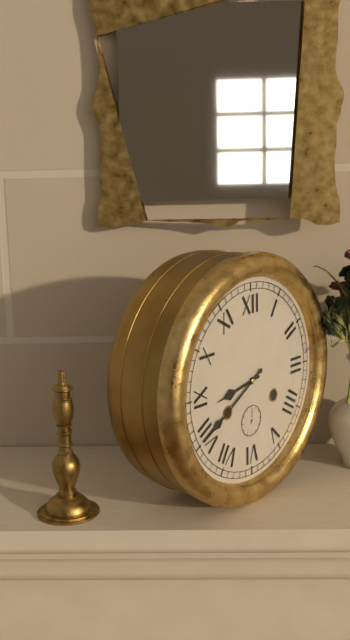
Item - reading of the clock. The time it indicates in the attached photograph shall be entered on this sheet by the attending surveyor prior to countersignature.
8:40
